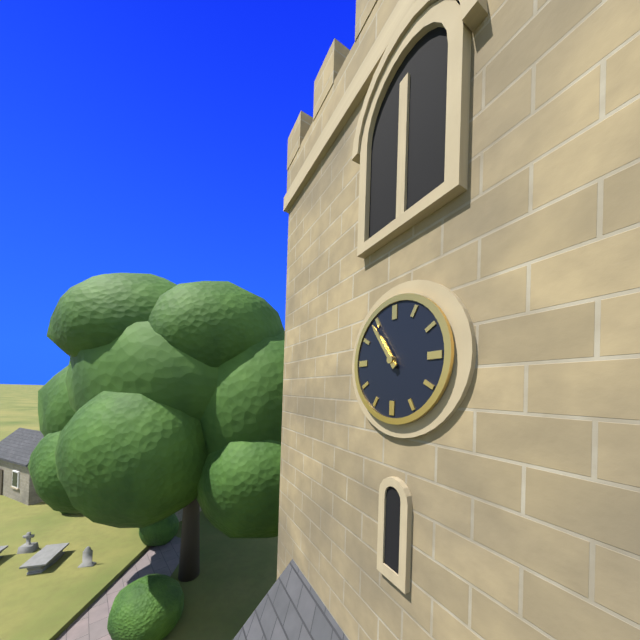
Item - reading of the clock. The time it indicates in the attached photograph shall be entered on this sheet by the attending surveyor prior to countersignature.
10:54
